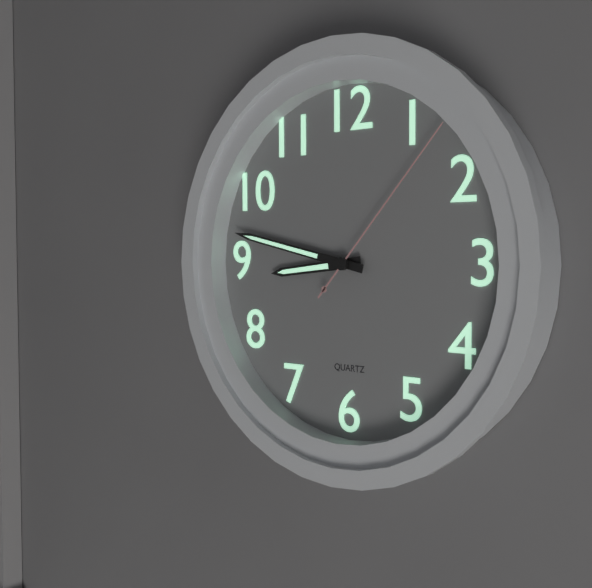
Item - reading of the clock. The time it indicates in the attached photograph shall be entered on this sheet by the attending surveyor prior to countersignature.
8:47:07
